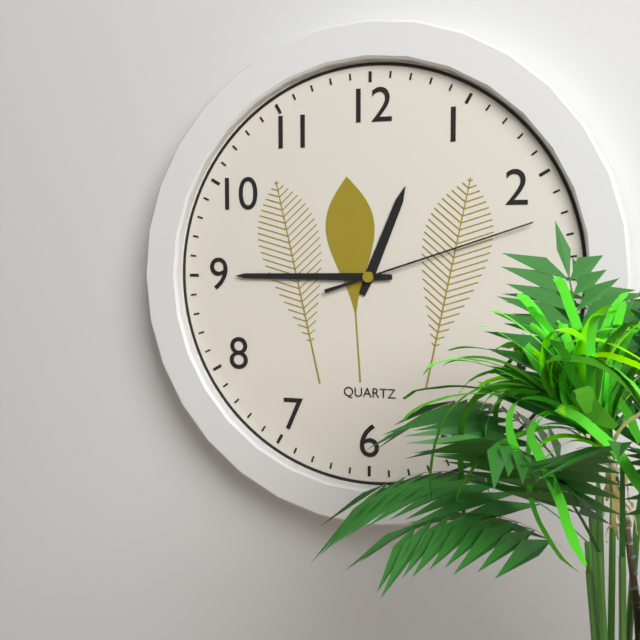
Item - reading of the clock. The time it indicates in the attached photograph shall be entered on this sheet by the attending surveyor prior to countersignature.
12:45:12
